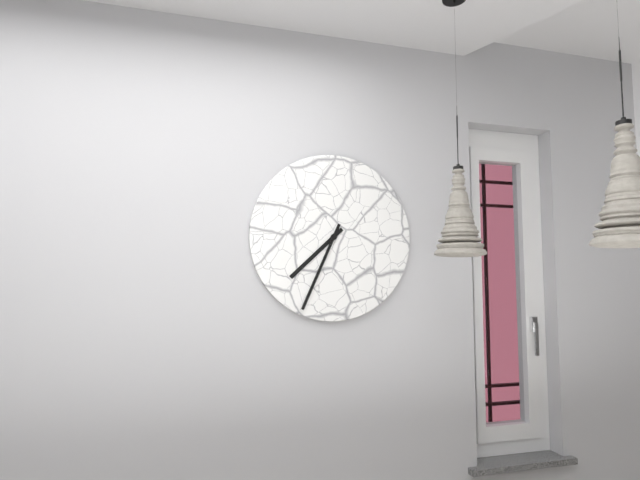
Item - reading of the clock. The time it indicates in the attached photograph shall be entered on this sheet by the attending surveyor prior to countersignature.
7:34
